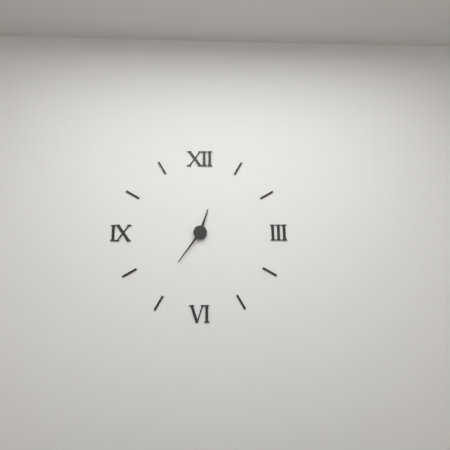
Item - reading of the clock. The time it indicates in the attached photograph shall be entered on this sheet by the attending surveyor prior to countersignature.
12:36
